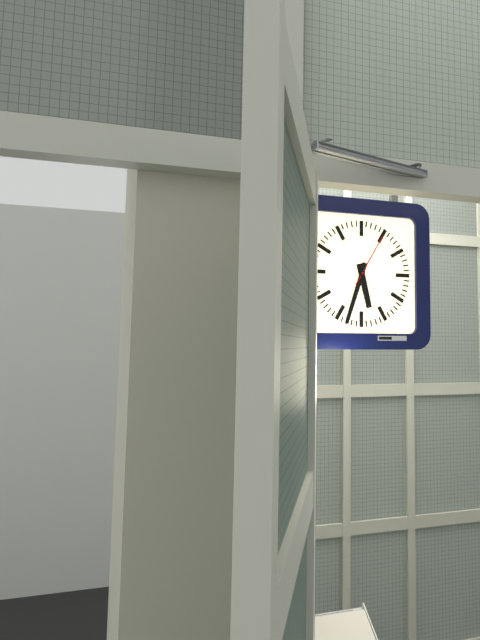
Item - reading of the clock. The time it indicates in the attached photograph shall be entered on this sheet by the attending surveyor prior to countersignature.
5:33:05
